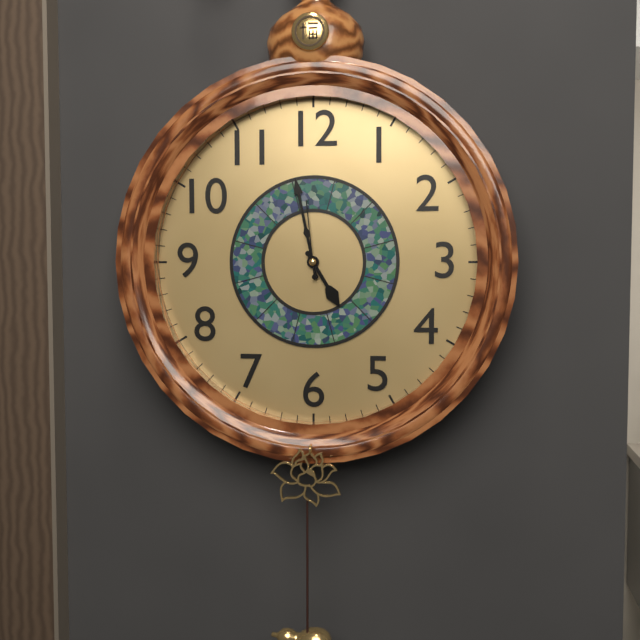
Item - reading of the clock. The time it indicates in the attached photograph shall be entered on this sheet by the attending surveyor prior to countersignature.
4:58:59
